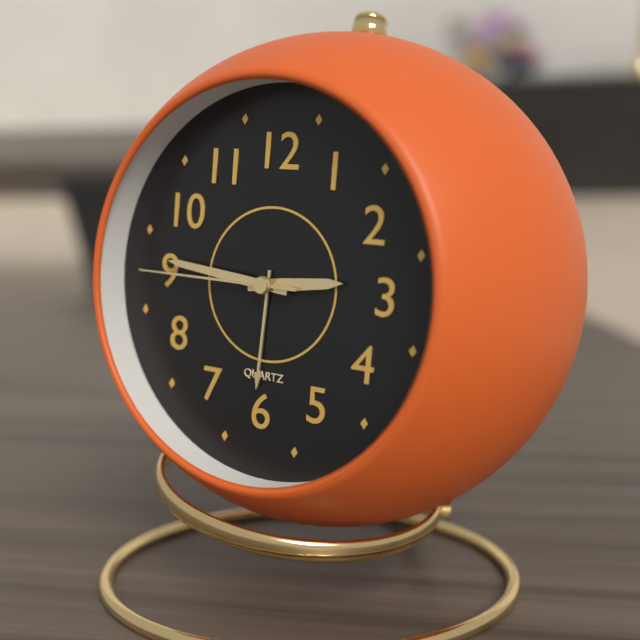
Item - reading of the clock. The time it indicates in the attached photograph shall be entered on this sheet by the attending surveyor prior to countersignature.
2:46:45
